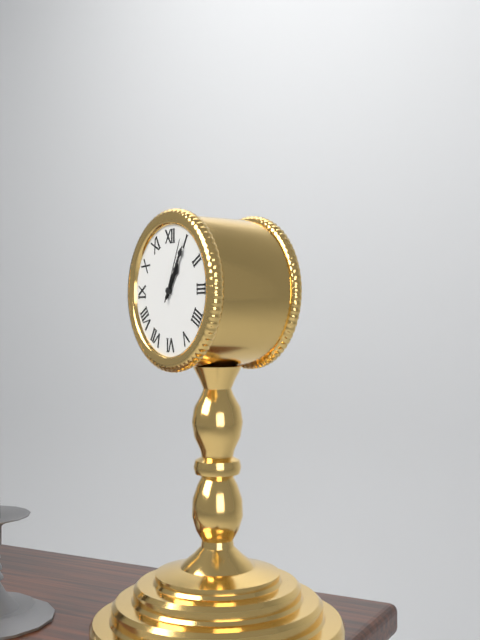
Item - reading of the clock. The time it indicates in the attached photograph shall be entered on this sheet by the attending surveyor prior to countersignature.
1:05:04
